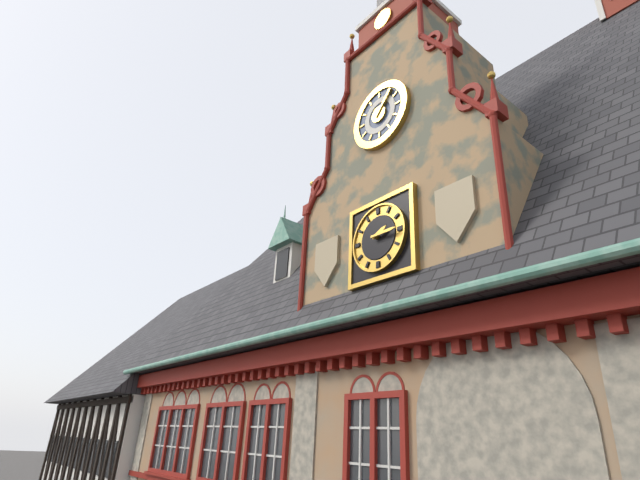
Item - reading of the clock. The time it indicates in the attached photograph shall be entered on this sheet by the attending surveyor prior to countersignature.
2:15
